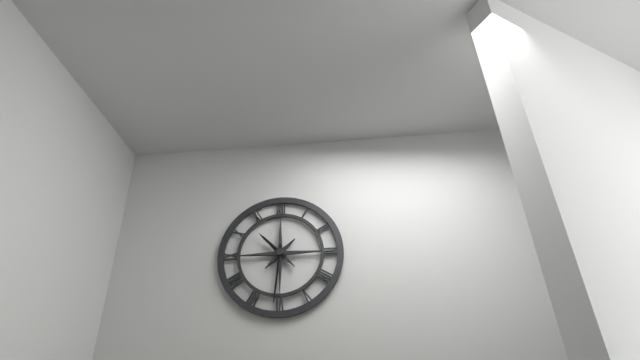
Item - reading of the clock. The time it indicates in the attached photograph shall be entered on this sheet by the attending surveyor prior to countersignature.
10:31
